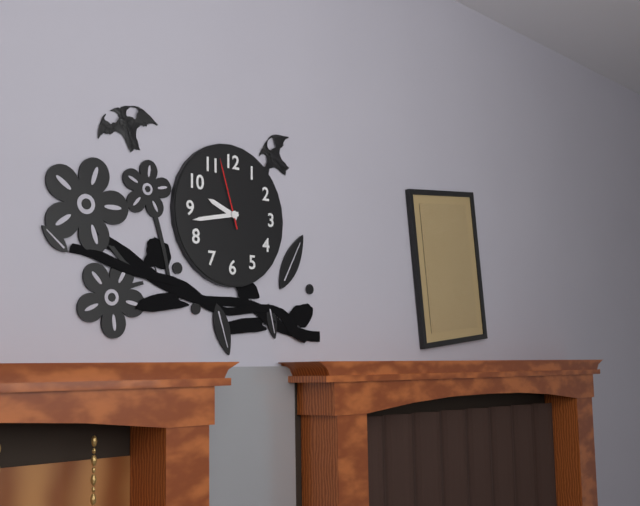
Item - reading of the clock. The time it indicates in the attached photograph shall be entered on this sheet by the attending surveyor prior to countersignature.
9:43:57
